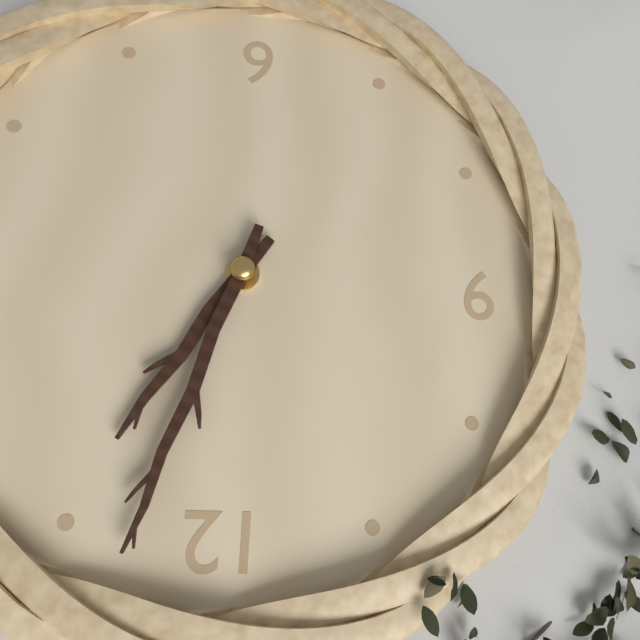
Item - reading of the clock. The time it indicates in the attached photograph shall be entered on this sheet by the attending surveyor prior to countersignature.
1:03
